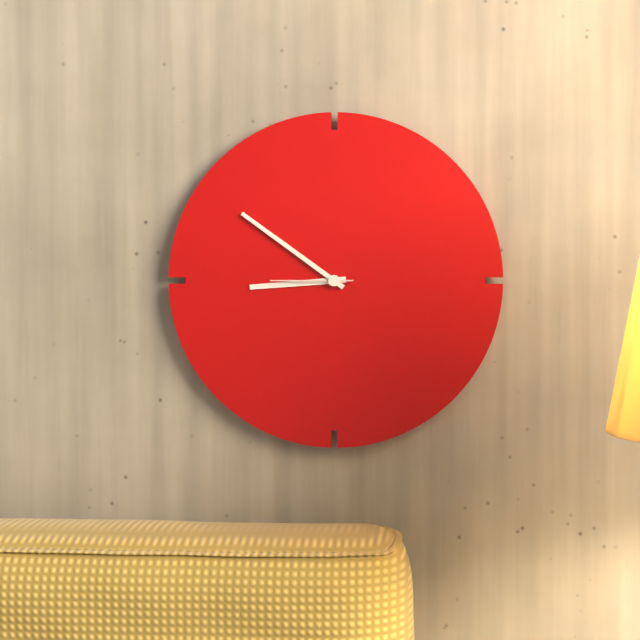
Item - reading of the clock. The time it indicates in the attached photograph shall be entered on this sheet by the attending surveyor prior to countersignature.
8:51:45
